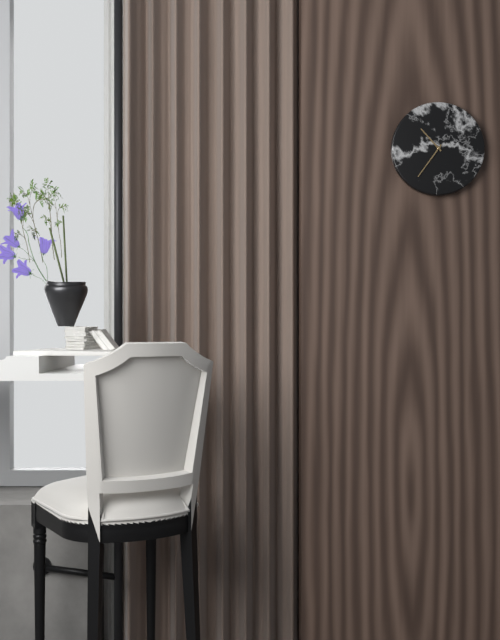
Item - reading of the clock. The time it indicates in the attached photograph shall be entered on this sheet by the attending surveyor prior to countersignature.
10:36
